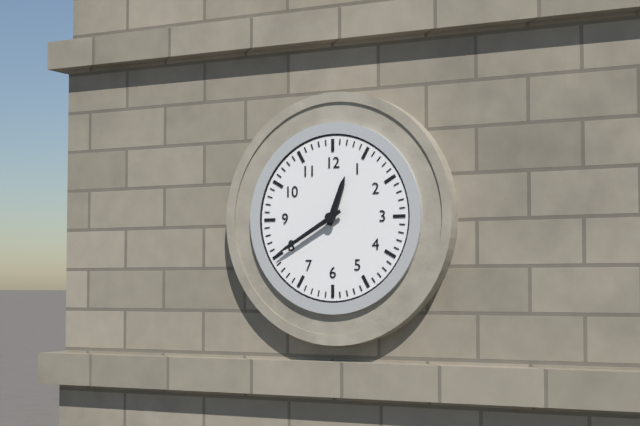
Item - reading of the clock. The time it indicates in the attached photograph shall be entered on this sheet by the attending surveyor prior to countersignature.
12:40
